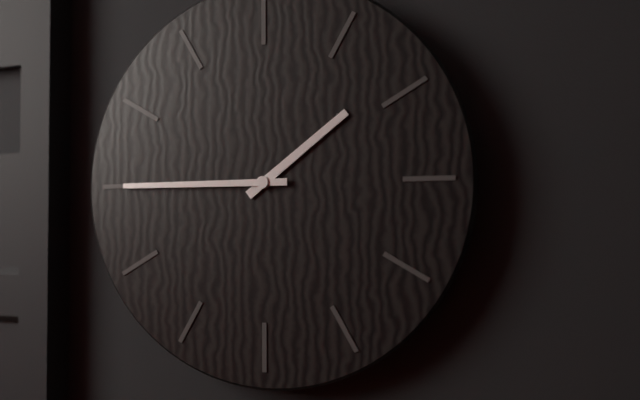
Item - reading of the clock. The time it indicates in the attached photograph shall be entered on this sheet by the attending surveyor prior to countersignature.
1:45
